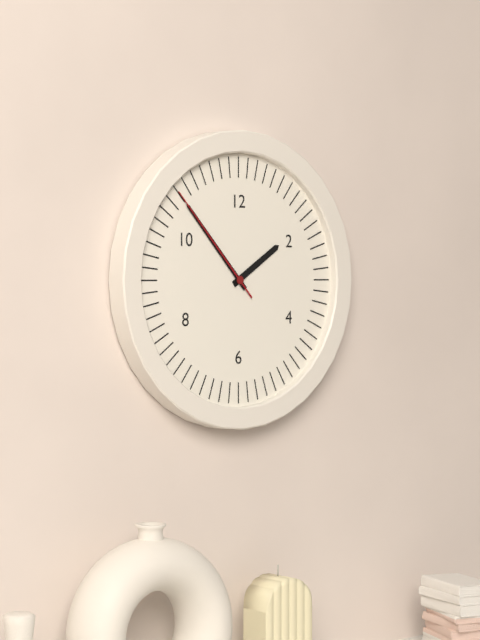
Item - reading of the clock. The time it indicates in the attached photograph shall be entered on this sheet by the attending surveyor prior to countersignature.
1:53:53
